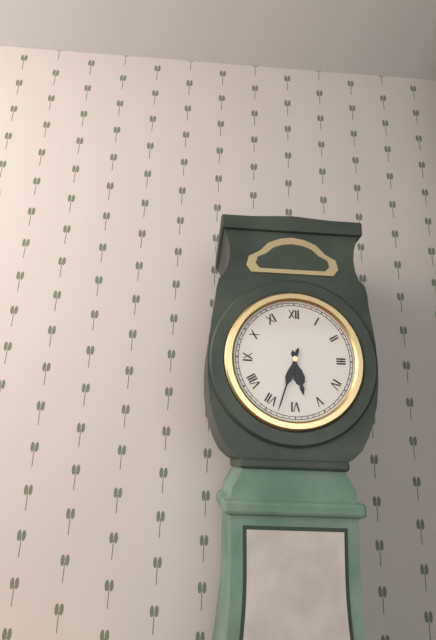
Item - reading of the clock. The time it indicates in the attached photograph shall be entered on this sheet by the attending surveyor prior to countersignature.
5:33
